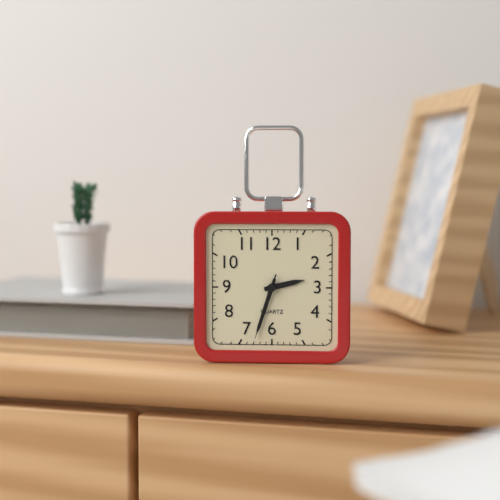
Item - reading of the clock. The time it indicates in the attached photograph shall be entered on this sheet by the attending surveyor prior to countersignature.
2:33:33
